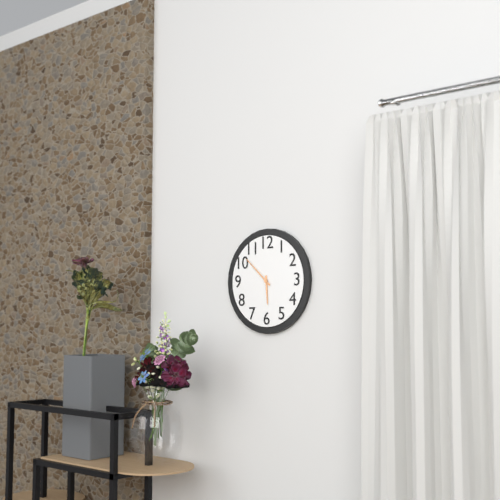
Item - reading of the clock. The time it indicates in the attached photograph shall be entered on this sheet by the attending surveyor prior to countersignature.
5:52
